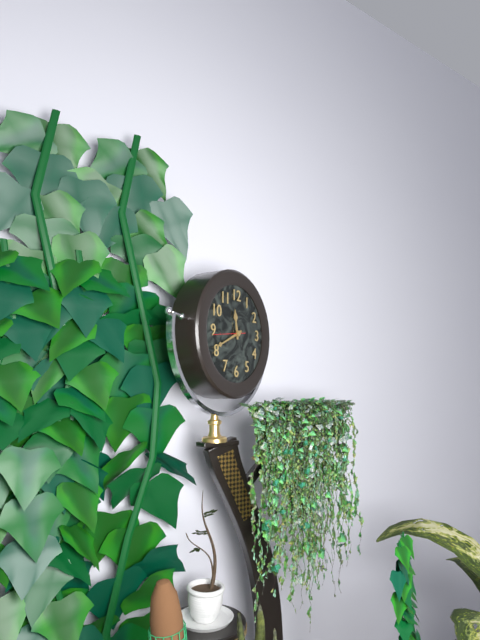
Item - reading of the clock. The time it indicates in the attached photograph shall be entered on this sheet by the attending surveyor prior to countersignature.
11:41
